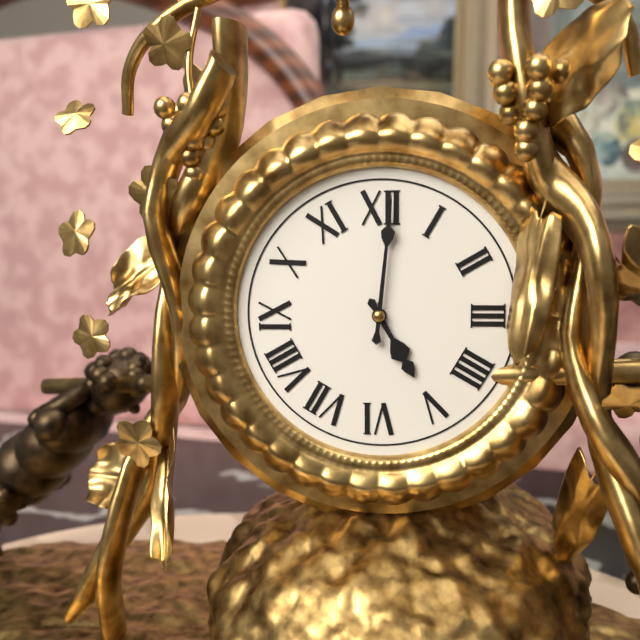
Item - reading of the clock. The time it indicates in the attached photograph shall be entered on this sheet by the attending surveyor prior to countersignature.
5:01
